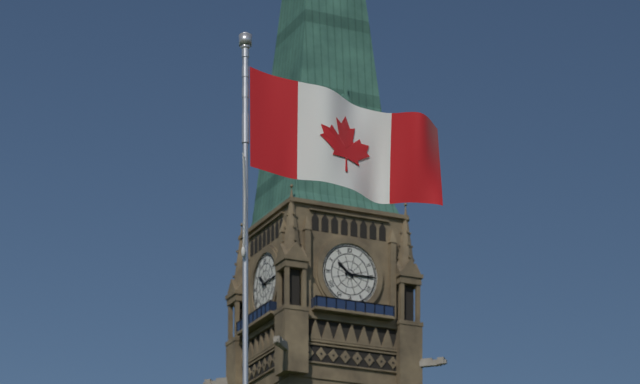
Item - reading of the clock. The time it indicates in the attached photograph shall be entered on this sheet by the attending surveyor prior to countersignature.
10:15
